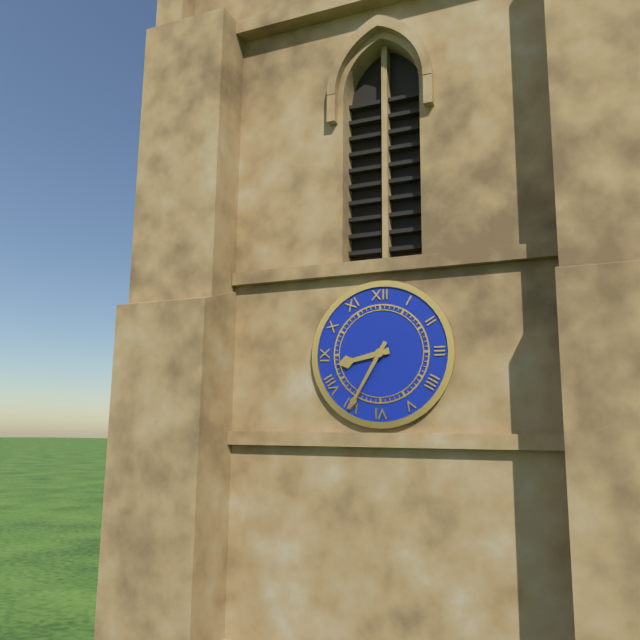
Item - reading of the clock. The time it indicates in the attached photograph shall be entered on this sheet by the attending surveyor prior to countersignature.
8:35
